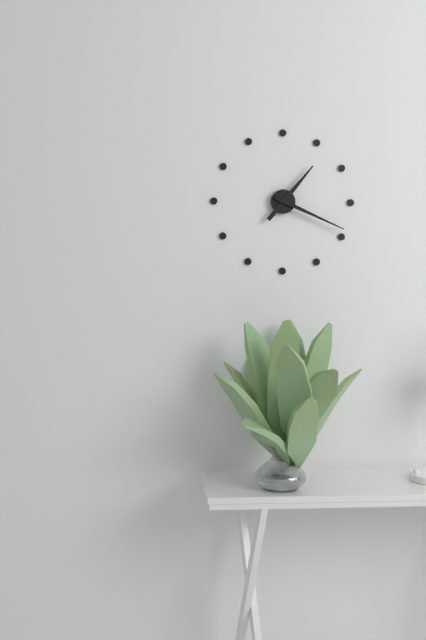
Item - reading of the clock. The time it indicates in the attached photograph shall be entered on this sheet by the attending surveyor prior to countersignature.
1:19
